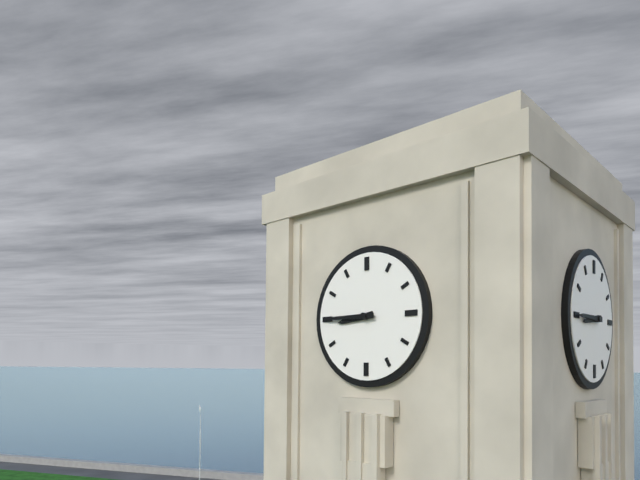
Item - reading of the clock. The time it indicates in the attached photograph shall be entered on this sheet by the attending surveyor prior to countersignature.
8:45
